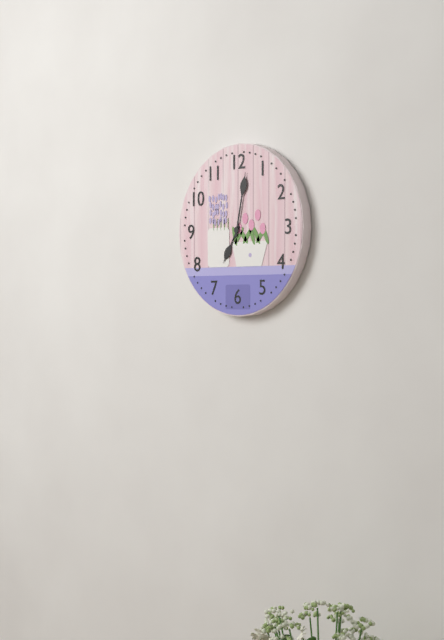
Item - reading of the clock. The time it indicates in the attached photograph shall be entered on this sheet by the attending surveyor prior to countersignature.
7:02
